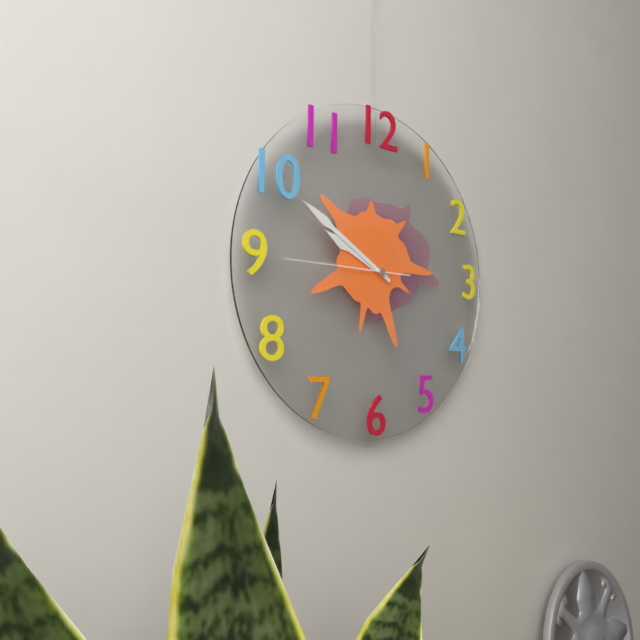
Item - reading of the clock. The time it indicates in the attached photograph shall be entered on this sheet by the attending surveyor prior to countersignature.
9:50:45
